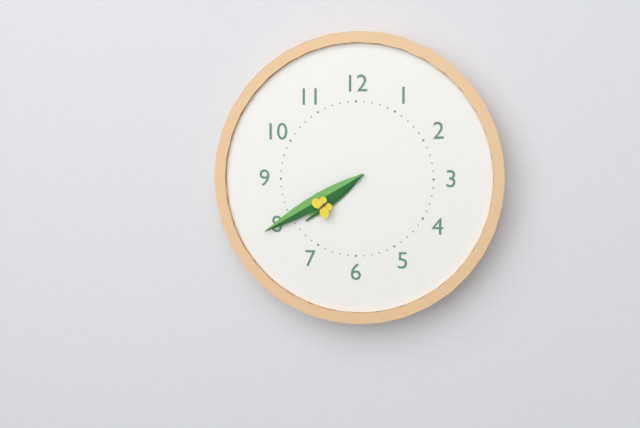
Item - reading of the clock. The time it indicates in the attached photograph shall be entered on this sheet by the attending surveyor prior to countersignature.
7:40
